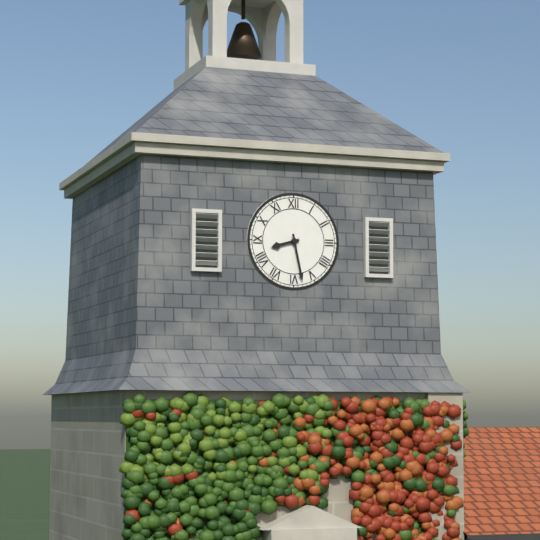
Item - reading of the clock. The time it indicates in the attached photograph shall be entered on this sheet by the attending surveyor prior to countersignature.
8:28
